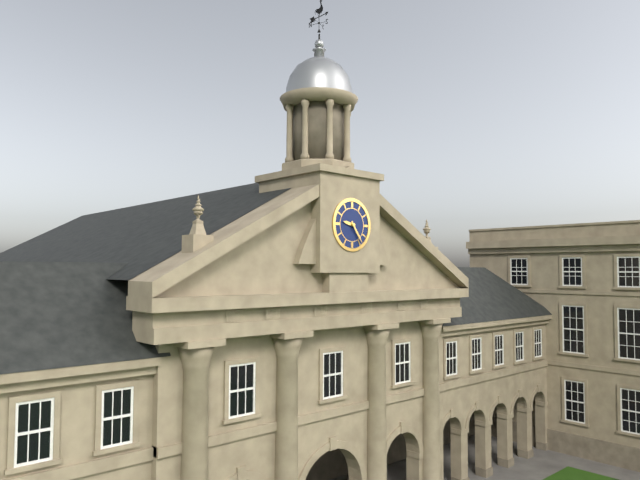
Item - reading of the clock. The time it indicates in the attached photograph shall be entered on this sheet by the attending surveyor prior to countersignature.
9:24
